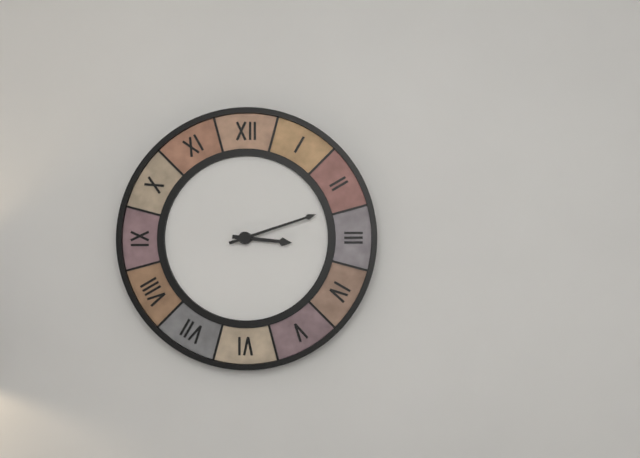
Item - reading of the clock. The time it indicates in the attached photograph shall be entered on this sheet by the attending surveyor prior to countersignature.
3:12
